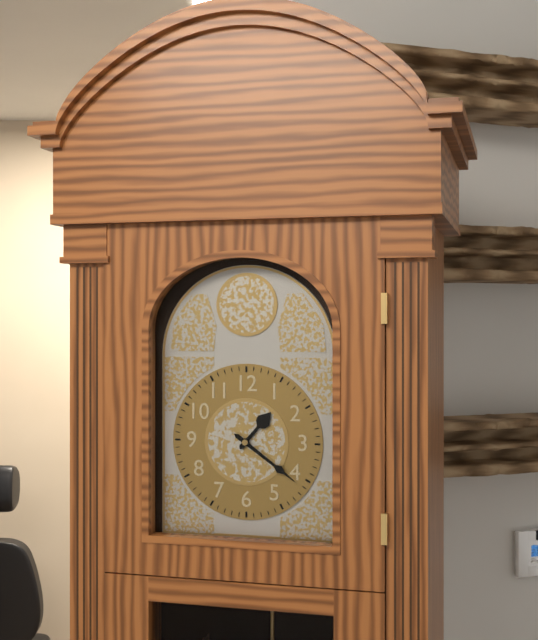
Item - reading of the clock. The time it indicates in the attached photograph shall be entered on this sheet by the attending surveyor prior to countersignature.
1:21
